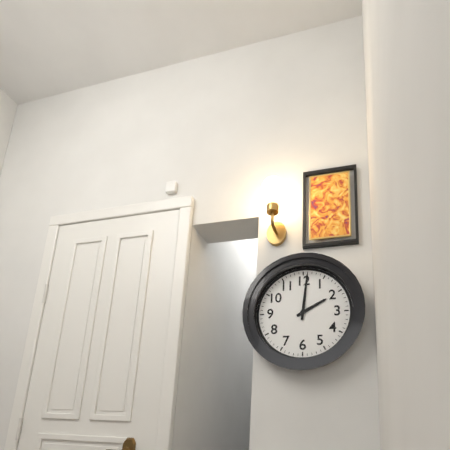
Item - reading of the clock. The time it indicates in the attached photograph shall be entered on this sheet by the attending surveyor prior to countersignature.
2:01
